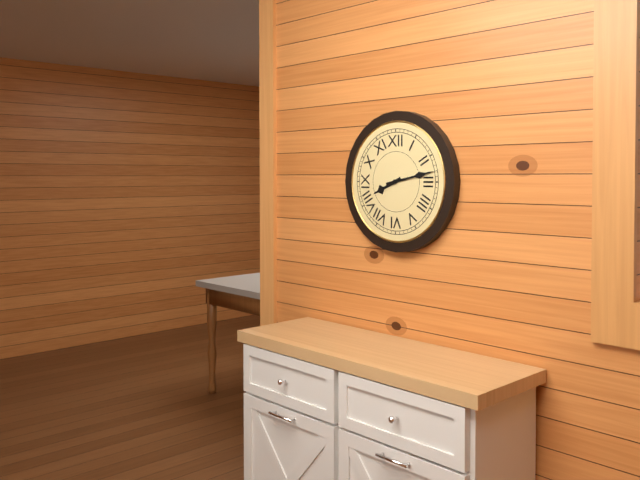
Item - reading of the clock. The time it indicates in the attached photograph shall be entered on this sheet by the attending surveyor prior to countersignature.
8:13
